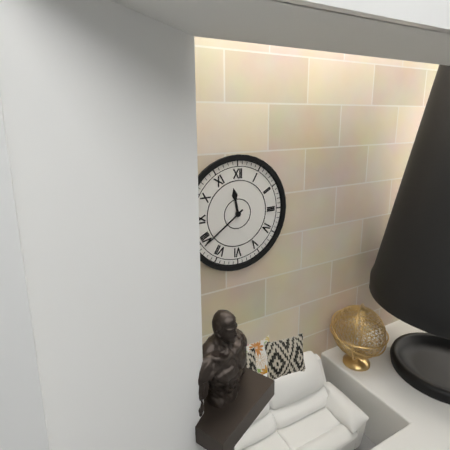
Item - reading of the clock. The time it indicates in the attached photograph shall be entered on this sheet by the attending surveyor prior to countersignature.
11:39
